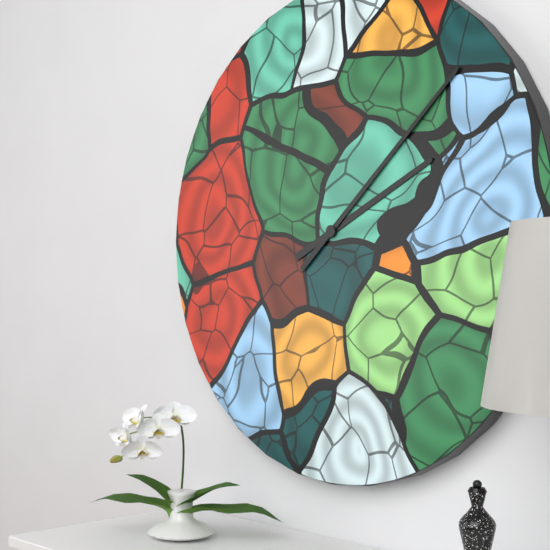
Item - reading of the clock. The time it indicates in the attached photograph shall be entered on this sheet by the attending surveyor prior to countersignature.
2:08
